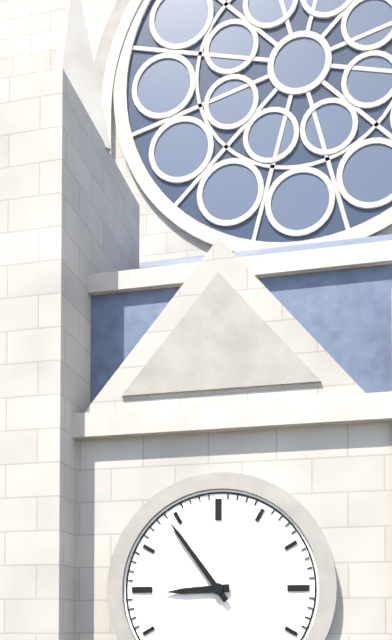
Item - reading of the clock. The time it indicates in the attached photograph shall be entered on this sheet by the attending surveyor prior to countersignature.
8:54
